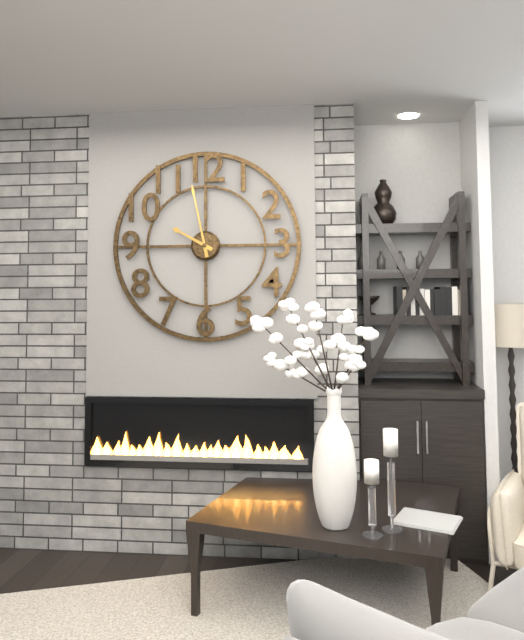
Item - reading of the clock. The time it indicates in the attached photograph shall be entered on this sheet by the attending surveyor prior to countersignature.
9:58
